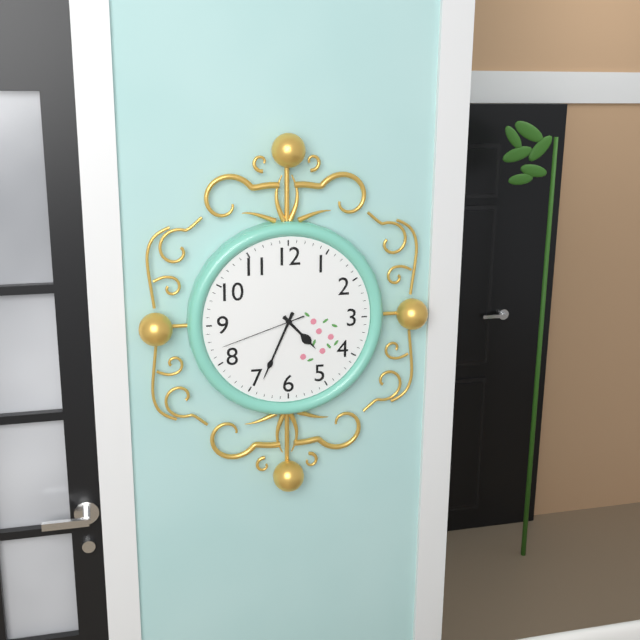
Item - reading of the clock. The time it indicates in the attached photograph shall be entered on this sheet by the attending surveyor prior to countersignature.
4:34:42
